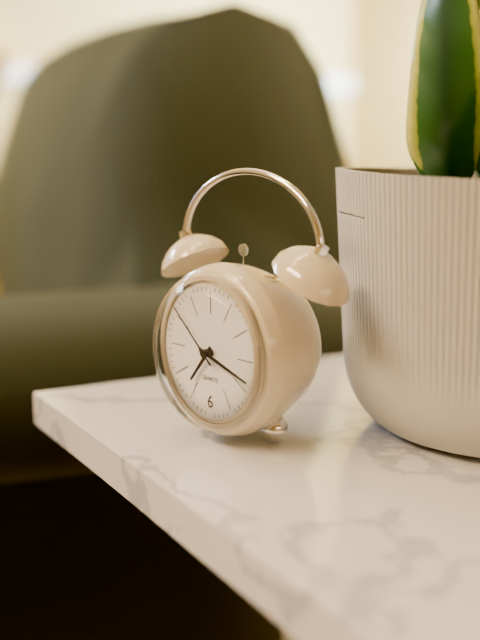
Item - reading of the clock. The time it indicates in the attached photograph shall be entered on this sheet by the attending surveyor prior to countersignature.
7:18:52
